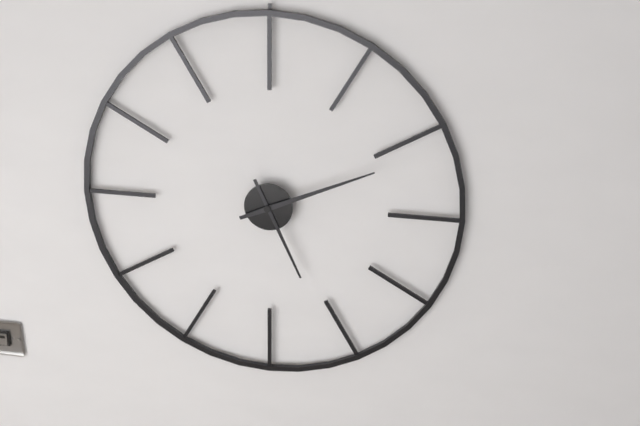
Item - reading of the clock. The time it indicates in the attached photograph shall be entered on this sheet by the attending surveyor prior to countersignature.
5:11
